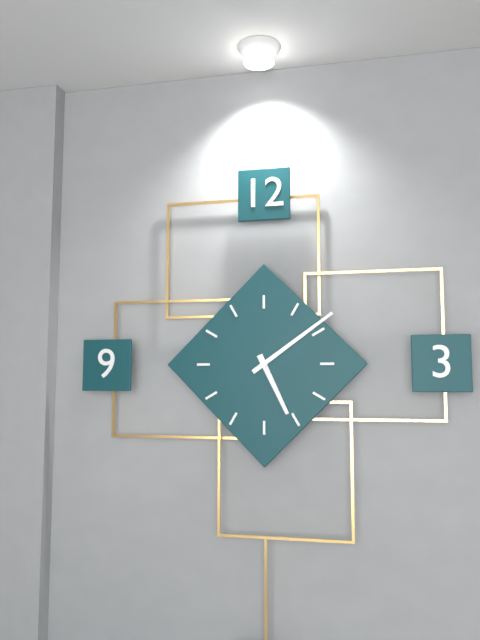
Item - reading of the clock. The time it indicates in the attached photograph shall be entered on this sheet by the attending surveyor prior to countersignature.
5:09
